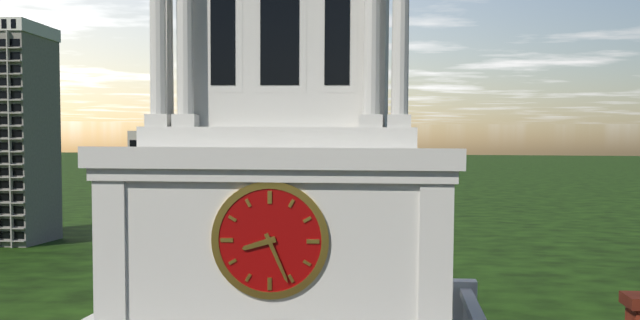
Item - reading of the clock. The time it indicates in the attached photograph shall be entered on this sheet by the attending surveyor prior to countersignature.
8:26
